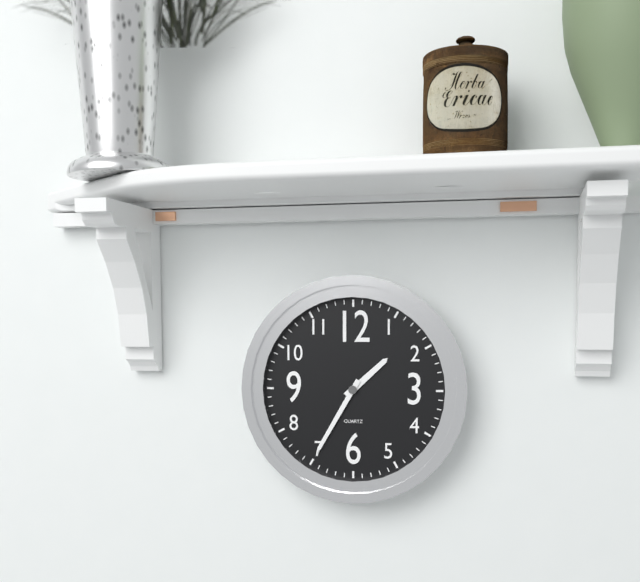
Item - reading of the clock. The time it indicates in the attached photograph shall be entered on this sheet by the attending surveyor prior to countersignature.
1:35
